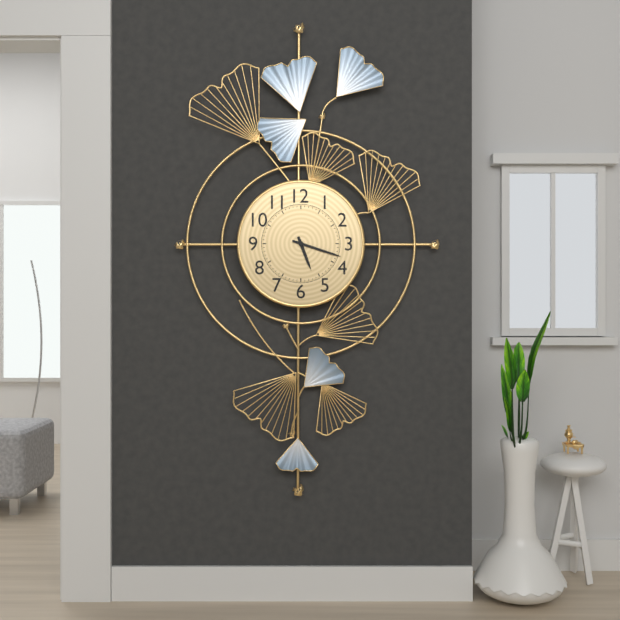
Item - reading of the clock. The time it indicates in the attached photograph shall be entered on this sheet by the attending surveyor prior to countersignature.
5:18
